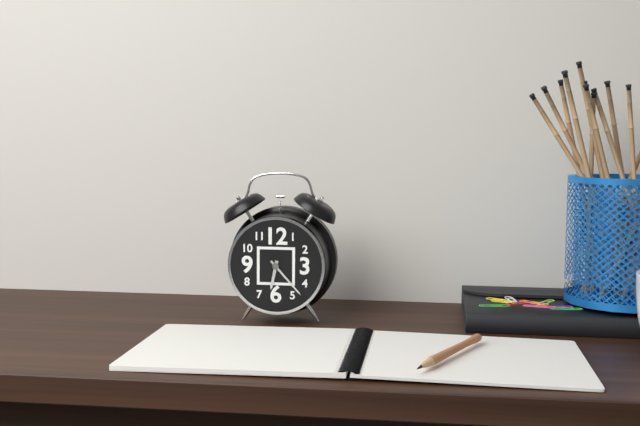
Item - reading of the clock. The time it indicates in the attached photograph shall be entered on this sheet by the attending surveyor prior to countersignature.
6:23
